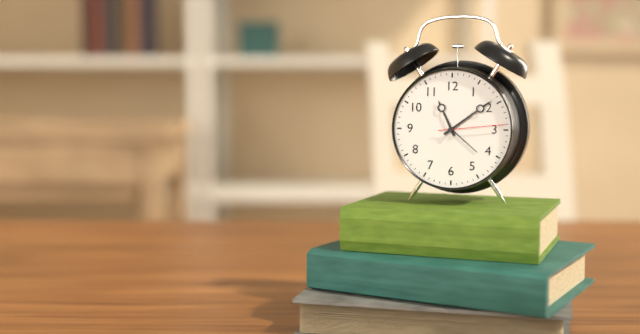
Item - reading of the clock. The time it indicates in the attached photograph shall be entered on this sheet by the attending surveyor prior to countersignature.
11:09:14
